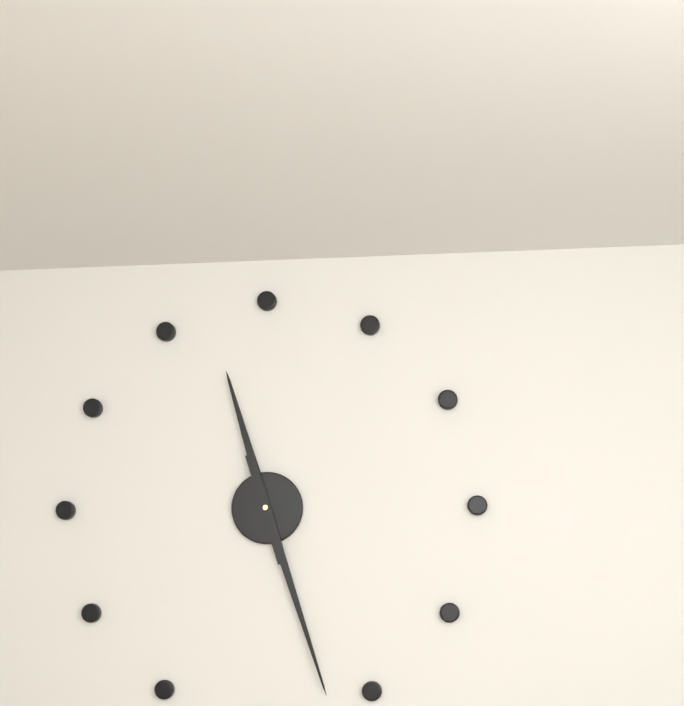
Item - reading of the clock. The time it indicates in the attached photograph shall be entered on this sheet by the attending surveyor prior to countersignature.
11:27
